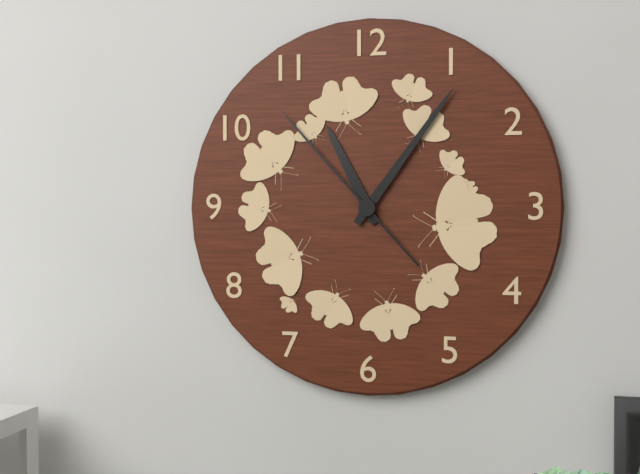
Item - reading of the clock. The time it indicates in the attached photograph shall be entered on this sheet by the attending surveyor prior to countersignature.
11:06:53
